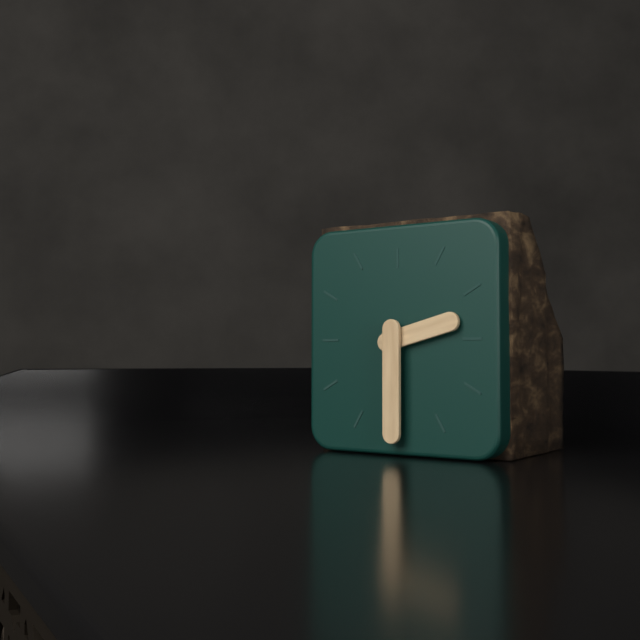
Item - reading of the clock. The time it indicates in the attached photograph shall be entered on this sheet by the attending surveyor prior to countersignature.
2:30
